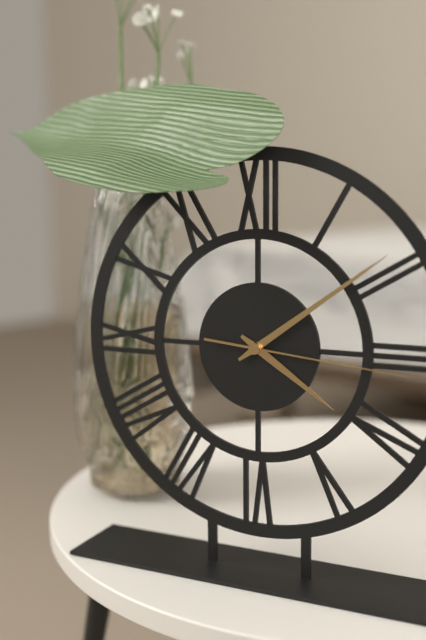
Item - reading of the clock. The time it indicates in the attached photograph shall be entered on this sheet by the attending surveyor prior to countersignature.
4:09:16
